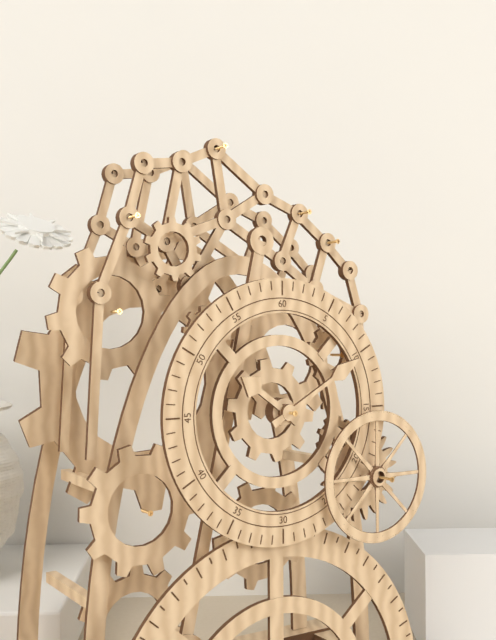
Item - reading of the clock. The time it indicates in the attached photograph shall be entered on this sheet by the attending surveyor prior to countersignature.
10:10
